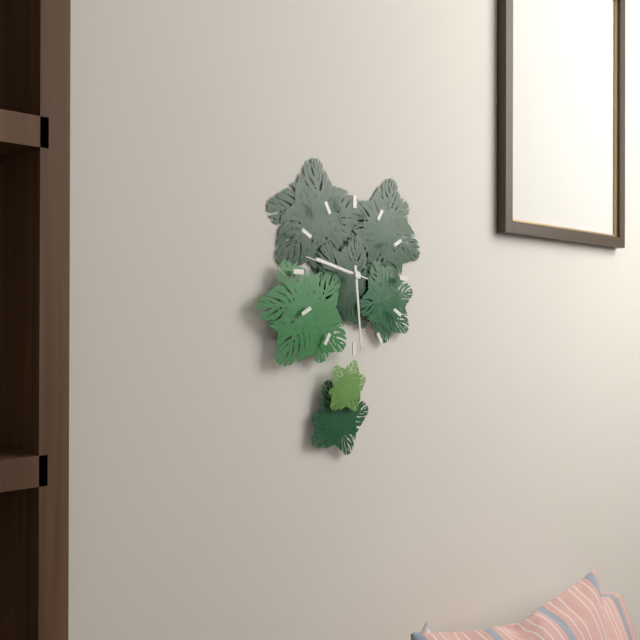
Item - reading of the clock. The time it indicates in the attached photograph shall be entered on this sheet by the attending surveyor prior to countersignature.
9:29:47
